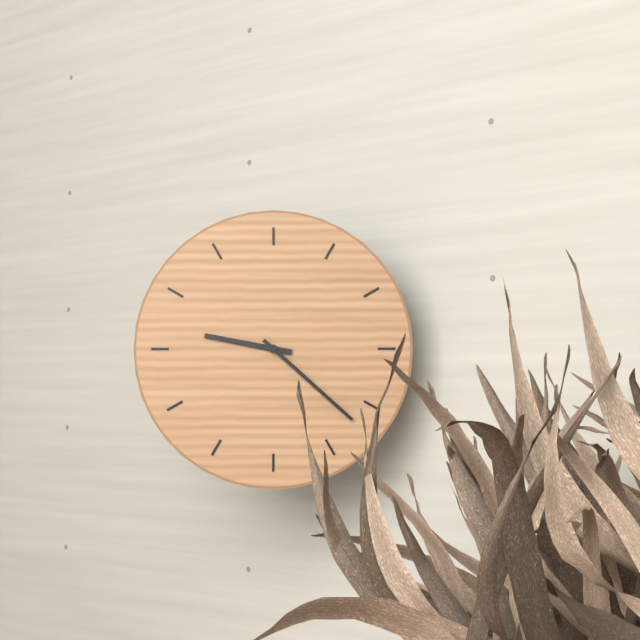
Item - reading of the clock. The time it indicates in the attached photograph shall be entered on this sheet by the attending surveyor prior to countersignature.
9:22
